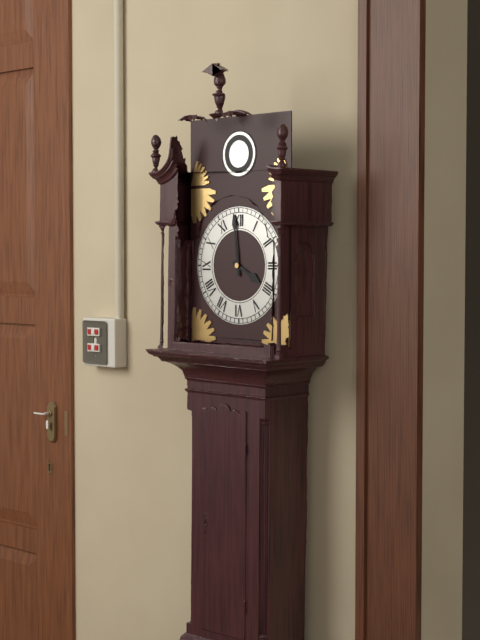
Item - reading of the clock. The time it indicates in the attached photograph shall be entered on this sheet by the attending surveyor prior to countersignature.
3:59
